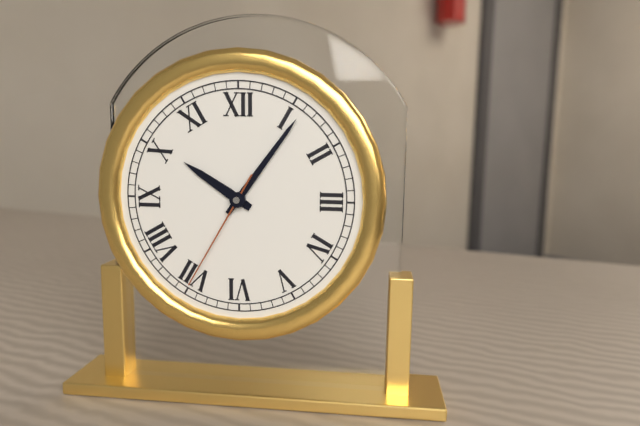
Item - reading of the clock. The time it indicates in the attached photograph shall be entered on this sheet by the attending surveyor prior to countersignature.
10:06:35
